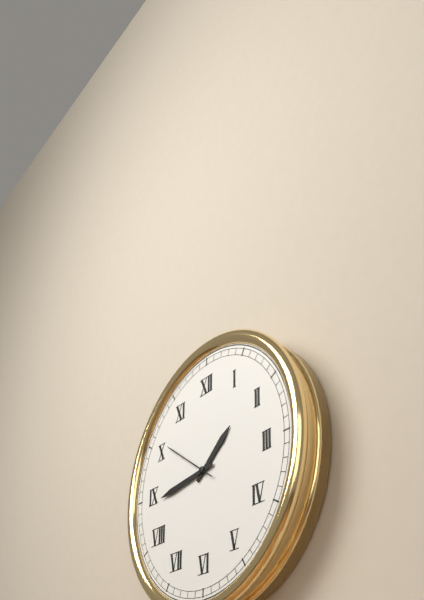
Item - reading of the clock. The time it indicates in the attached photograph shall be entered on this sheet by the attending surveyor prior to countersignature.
1:44:51
